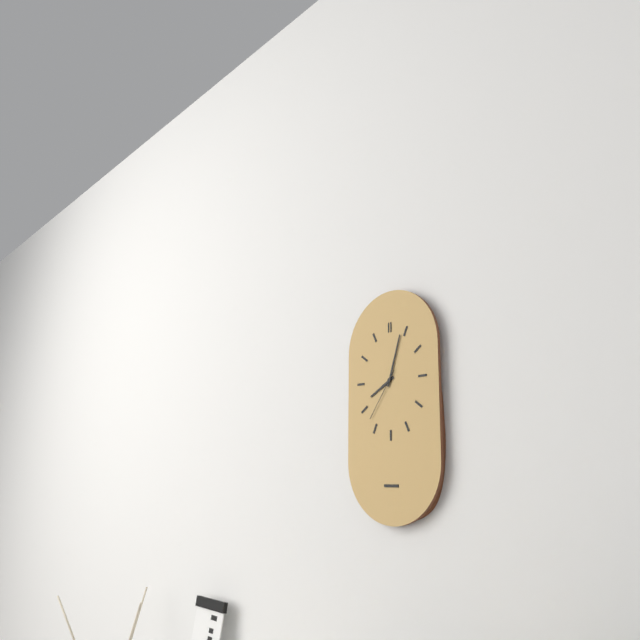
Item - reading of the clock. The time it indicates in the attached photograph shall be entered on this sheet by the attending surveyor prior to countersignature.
8:03:36
